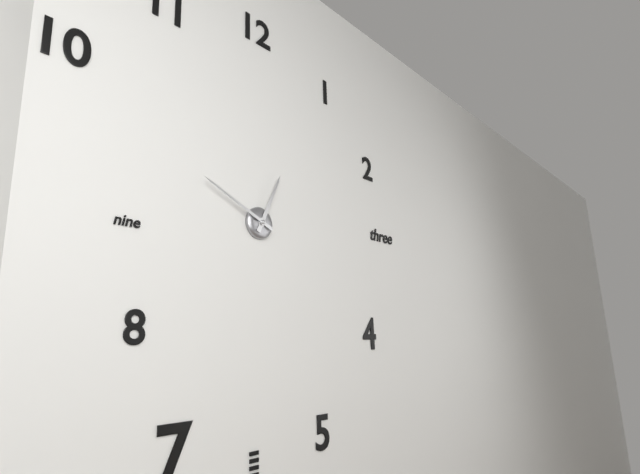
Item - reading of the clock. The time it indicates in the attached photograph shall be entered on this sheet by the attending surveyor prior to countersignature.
12:49
